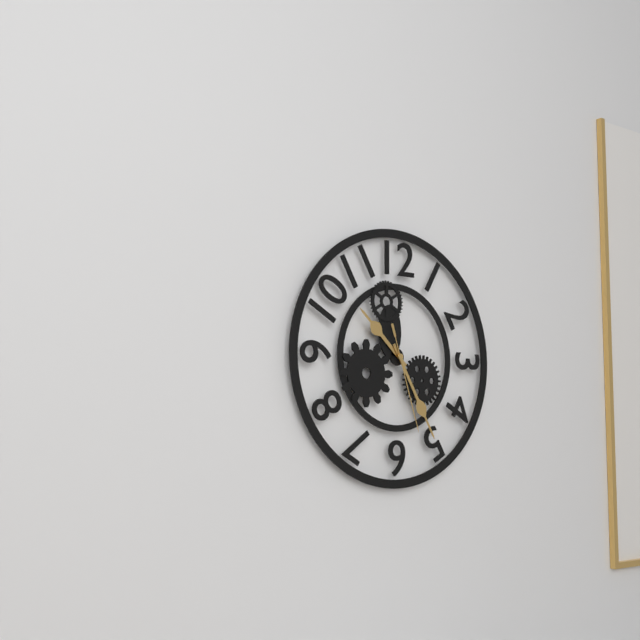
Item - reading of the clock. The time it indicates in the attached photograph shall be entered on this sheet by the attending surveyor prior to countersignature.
10:25:27
